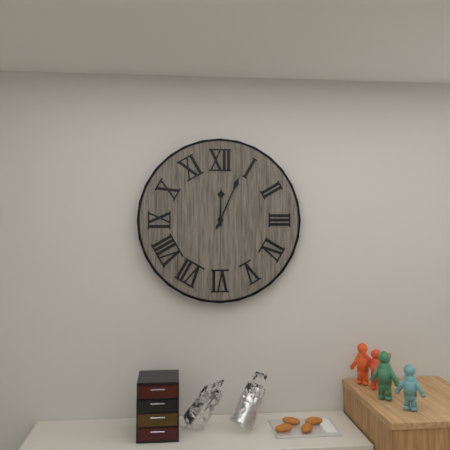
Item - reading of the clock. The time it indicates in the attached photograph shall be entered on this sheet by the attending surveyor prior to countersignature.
12:04
